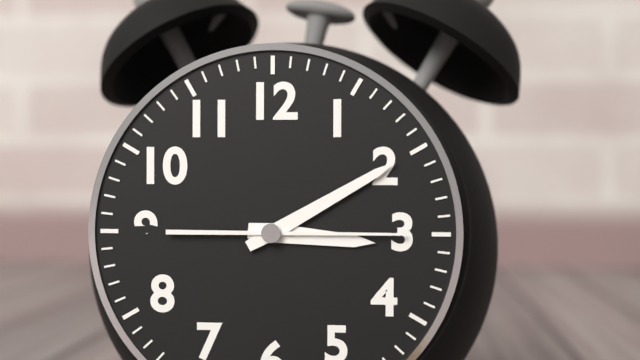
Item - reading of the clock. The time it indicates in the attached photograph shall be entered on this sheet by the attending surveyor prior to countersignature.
3:10:15
